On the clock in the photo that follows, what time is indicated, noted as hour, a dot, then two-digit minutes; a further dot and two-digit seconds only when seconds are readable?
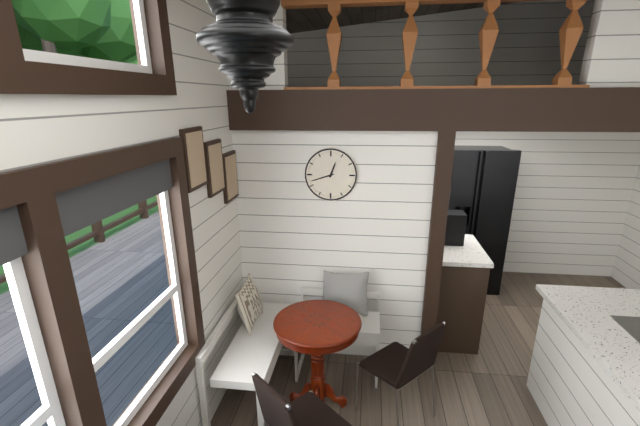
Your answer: 12.42
